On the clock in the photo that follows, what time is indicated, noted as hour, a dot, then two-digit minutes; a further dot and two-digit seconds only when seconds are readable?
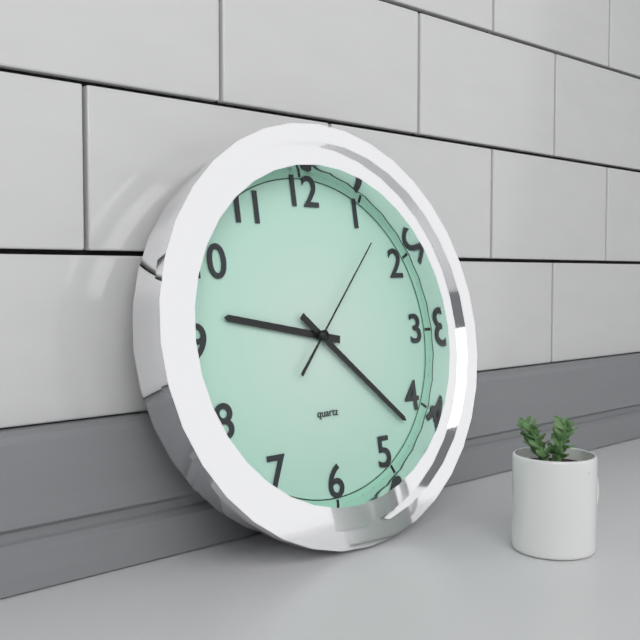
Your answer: 9.22.07
